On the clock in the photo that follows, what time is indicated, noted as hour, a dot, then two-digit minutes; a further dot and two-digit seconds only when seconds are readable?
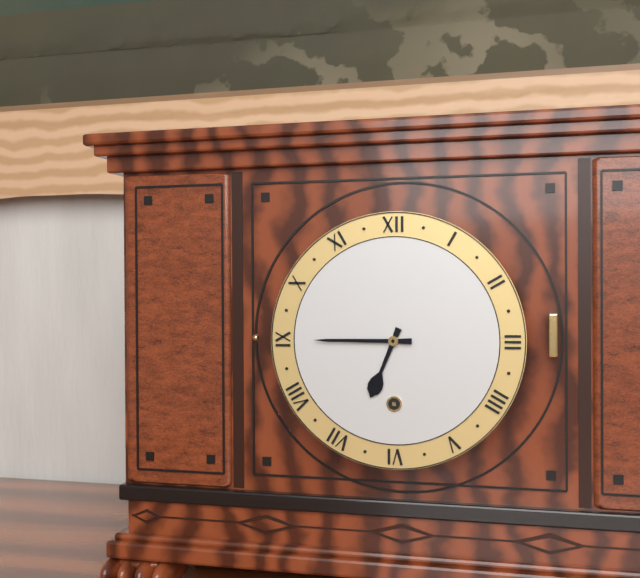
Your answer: 6.45
